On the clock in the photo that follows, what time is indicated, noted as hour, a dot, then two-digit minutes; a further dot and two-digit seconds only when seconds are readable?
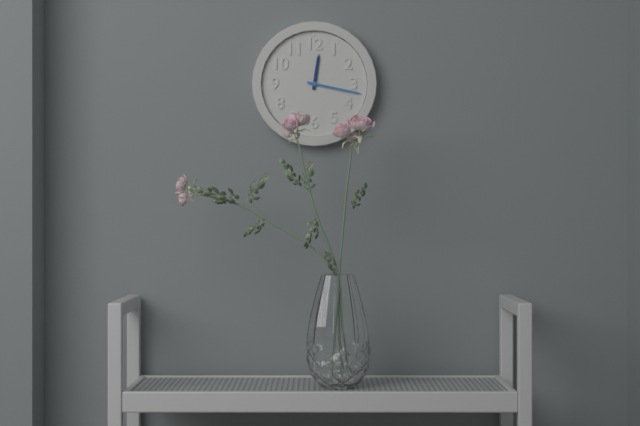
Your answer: 12.17
